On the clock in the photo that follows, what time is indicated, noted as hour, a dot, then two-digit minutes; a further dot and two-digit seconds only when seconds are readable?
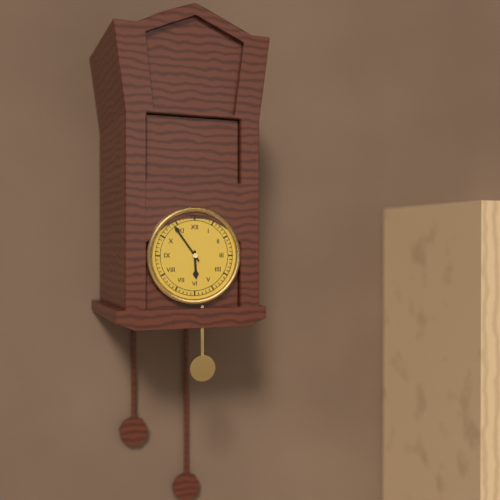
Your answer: 5.54
